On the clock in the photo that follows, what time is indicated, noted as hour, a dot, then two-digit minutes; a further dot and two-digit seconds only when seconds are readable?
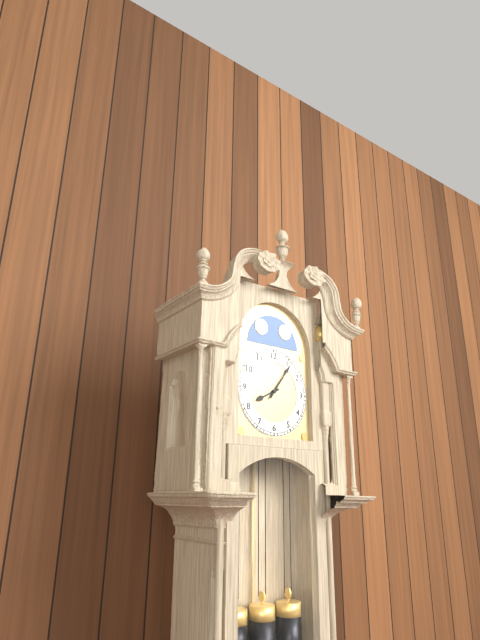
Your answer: 8.06
